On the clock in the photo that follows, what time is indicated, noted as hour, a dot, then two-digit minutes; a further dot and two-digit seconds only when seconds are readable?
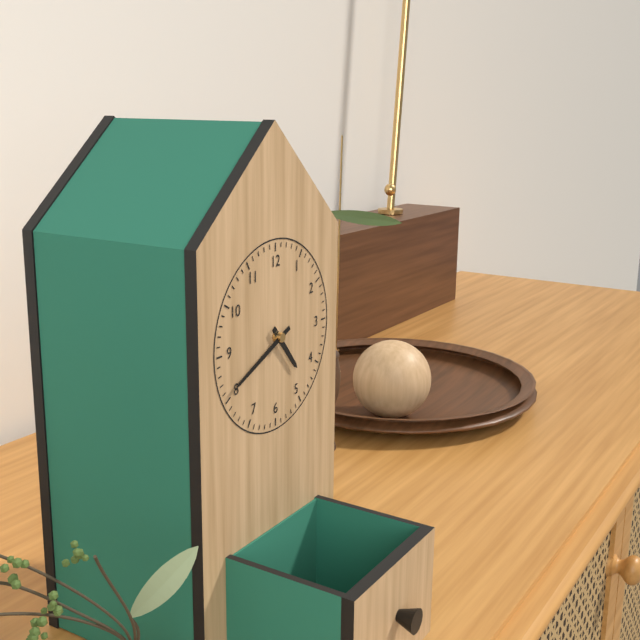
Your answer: 4.41
